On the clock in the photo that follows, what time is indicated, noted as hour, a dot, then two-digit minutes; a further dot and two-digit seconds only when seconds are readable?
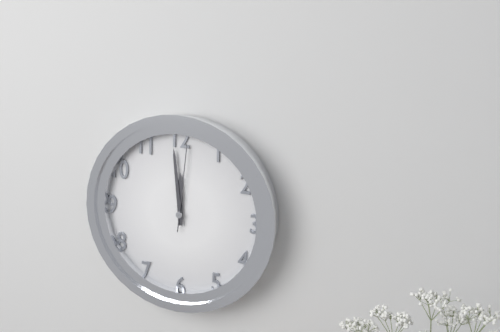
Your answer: 11.59.01
